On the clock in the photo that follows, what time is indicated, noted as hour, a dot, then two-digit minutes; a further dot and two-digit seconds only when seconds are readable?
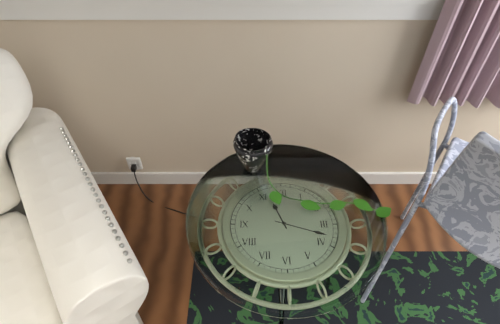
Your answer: 11.18
